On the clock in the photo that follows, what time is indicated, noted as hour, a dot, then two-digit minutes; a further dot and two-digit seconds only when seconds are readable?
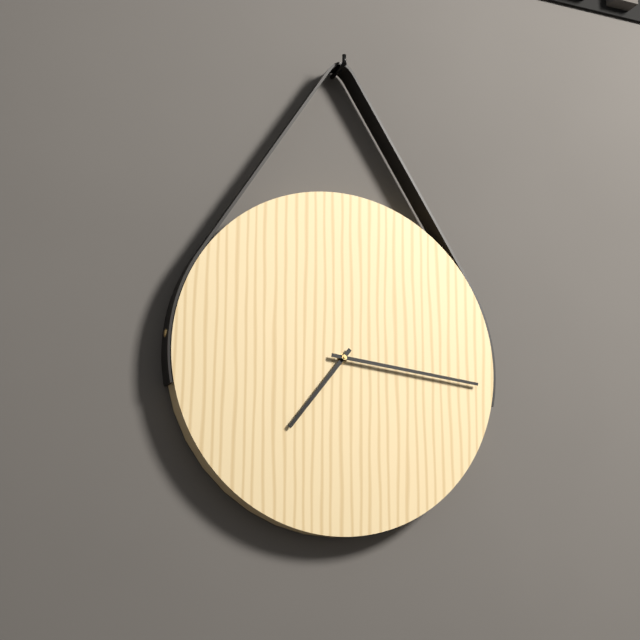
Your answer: 7.16
